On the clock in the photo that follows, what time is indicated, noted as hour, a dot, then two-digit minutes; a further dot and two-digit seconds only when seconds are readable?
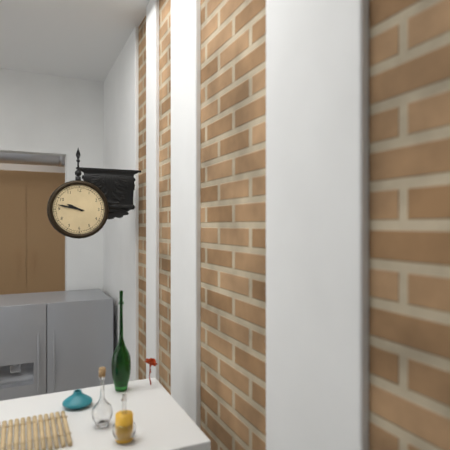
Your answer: 9.47
